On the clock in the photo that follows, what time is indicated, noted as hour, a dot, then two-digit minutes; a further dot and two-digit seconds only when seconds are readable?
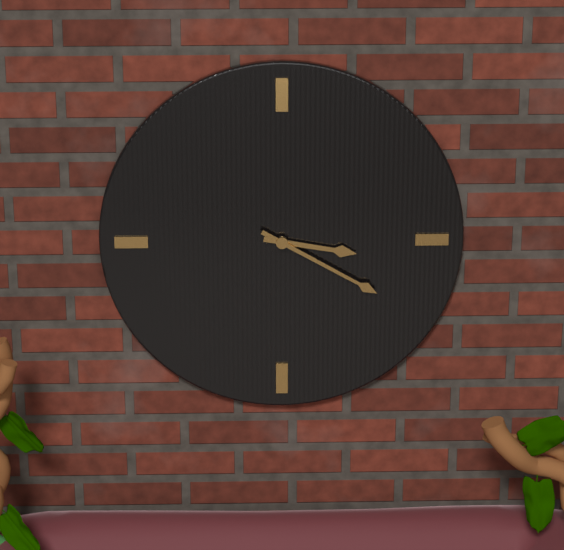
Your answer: 3.20
